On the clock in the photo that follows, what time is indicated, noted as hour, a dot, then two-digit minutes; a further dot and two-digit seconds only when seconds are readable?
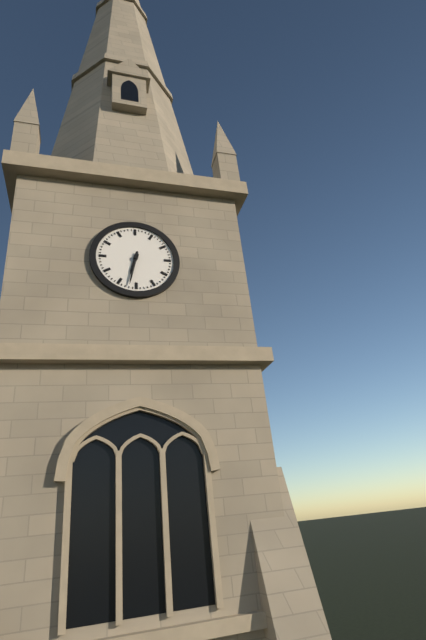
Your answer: 6.32
